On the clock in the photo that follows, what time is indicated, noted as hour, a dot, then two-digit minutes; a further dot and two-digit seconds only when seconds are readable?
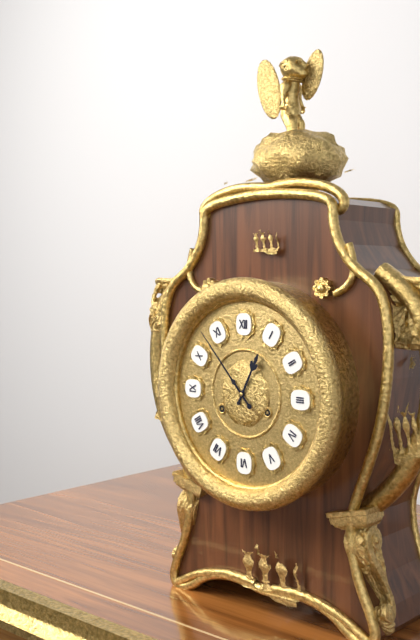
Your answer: 12.53
